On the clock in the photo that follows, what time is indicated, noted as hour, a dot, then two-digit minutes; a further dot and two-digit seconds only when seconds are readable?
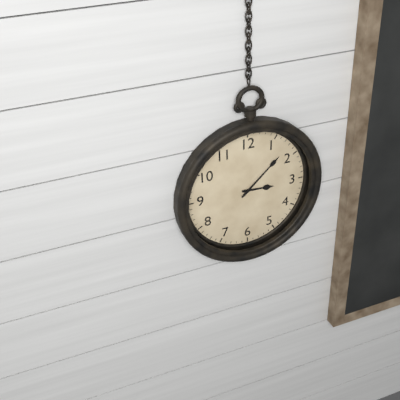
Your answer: 3.08
